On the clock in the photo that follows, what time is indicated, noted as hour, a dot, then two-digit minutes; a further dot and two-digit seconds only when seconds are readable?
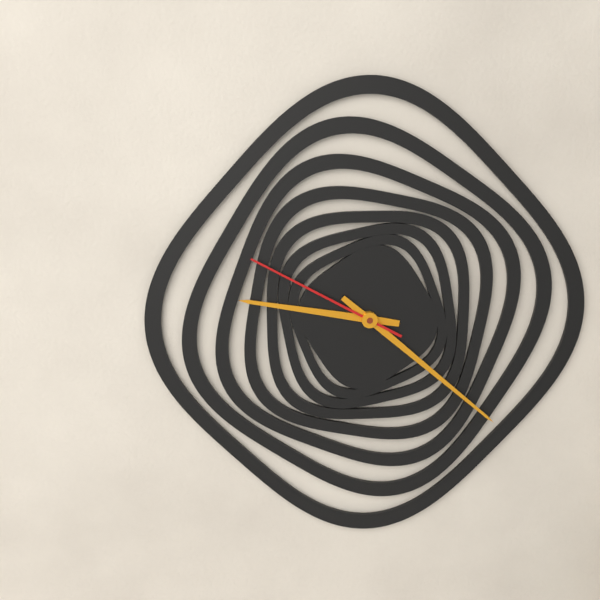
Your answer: 9.22.50
